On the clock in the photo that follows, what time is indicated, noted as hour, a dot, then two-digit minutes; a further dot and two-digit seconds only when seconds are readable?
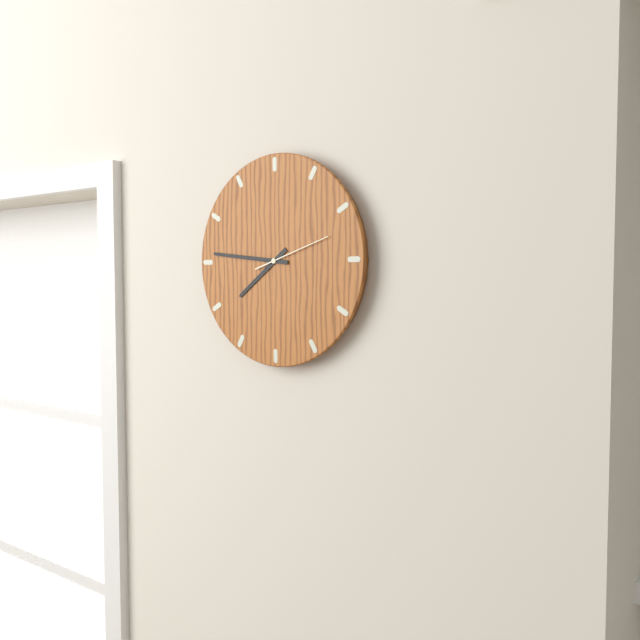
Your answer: 7.46.12
